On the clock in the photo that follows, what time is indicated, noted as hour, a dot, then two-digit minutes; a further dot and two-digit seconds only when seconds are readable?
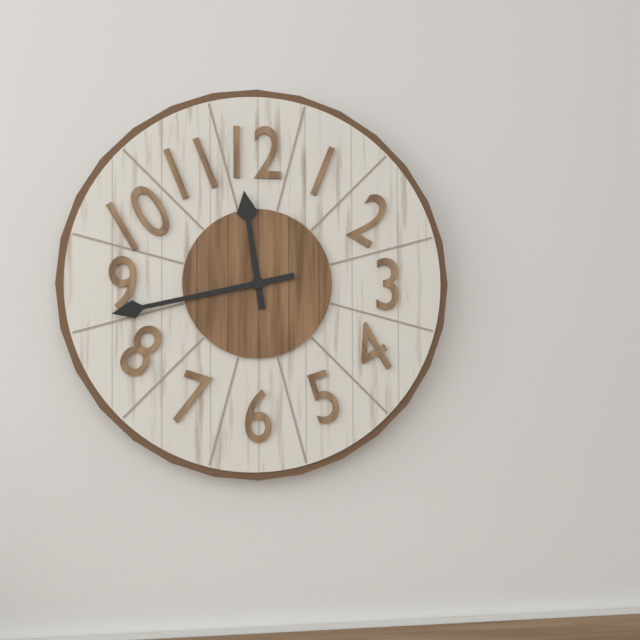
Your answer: 11.43
